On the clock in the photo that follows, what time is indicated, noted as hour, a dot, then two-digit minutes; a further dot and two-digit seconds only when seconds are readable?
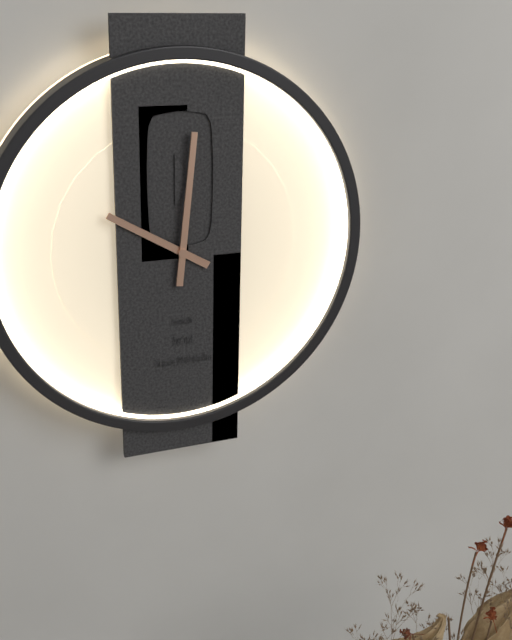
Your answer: 10.01
